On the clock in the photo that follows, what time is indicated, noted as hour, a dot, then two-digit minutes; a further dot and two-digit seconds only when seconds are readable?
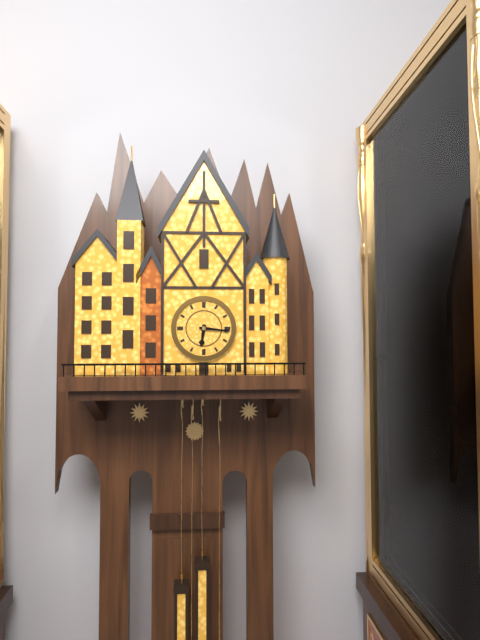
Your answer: 6.16
